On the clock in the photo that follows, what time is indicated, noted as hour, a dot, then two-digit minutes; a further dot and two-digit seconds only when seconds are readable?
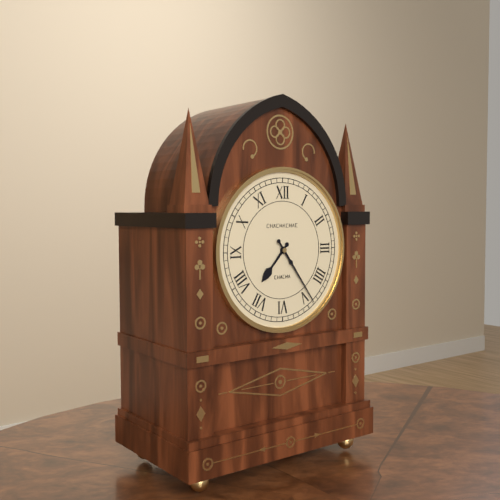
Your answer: 7.24
